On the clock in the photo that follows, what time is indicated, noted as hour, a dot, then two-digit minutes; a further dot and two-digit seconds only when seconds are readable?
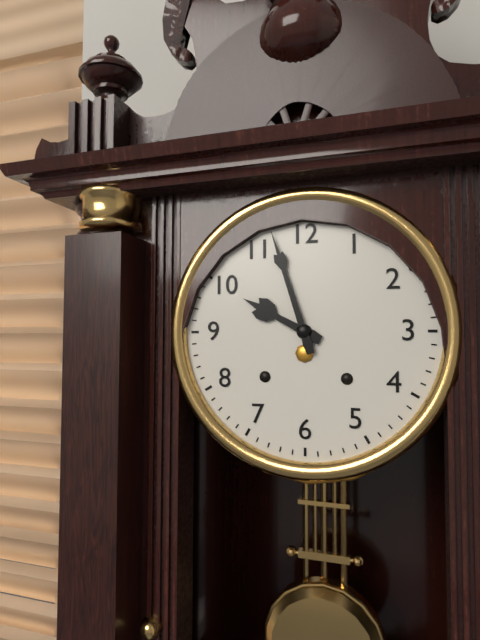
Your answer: 9.57
